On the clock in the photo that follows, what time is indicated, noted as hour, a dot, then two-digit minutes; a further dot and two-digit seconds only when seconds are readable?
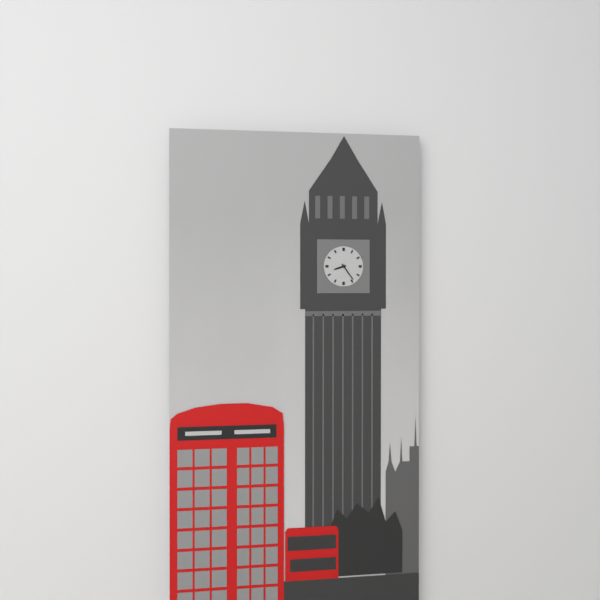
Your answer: 8.24
